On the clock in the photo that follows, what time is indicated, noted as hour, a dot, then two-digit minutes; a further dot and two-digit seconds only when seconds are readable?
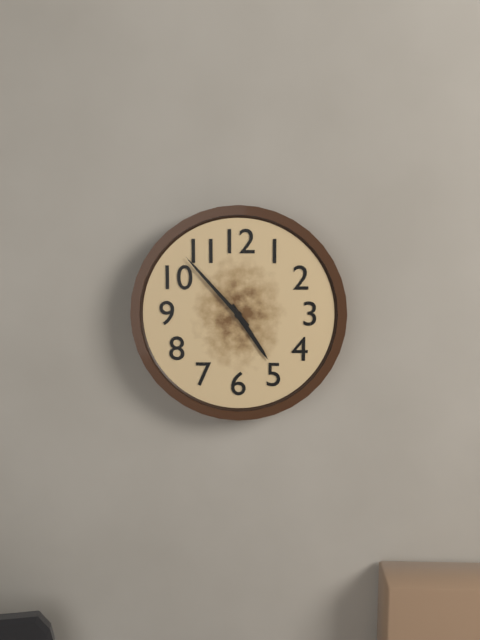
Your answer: 4.53
